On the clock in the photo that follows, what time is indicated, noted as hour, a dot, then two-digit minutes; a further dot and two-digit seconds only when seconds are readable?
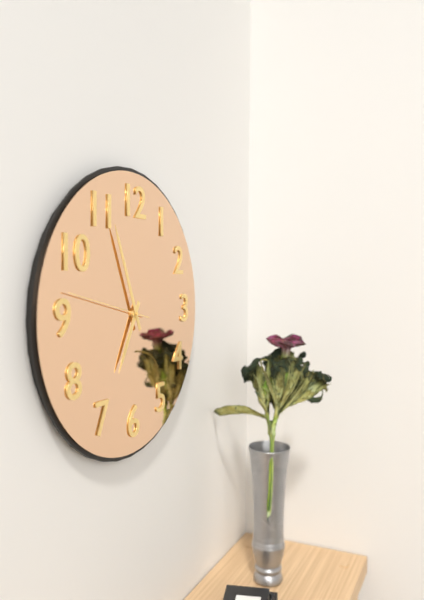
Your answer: 6.56.47
